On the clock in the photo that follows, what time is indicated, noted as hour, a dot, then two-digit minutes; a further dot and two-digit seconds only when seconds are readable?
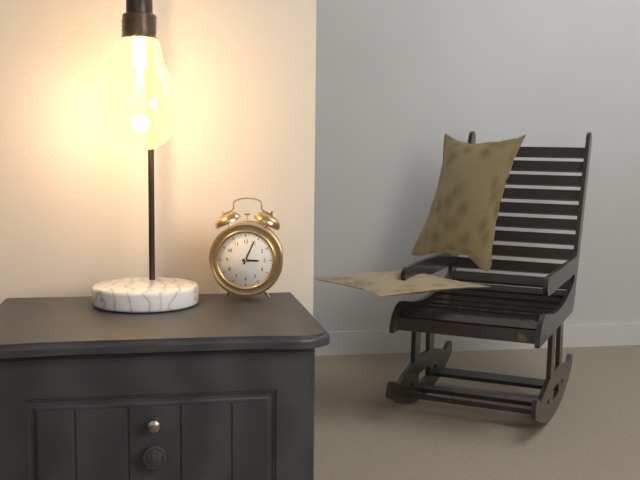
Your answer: 3.04
